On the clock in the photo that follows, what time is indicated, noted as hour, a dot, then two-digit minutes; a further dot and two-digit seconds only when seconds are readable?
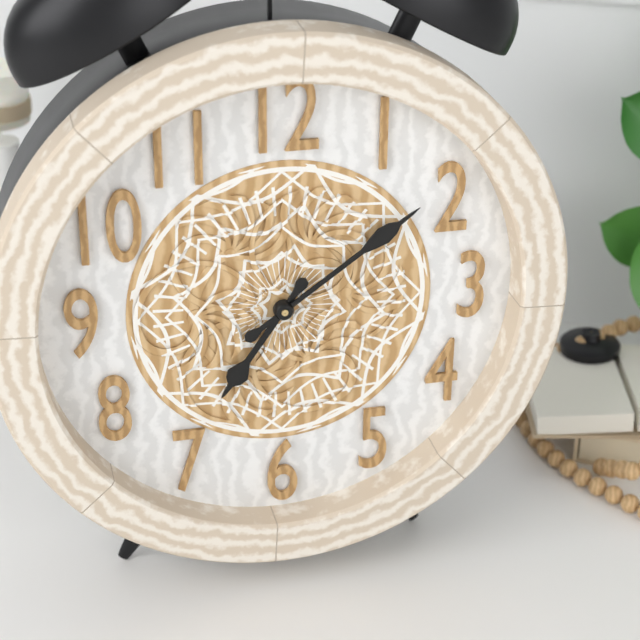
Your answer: 7.09
